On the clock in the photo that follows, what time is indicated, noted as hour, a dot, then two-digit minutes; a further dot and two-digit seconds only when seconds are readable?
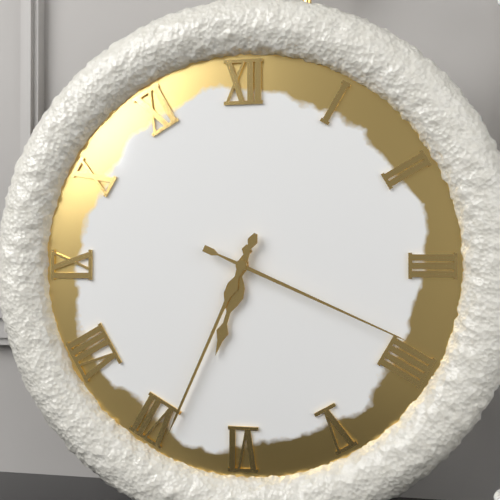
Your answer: 6.34.19
